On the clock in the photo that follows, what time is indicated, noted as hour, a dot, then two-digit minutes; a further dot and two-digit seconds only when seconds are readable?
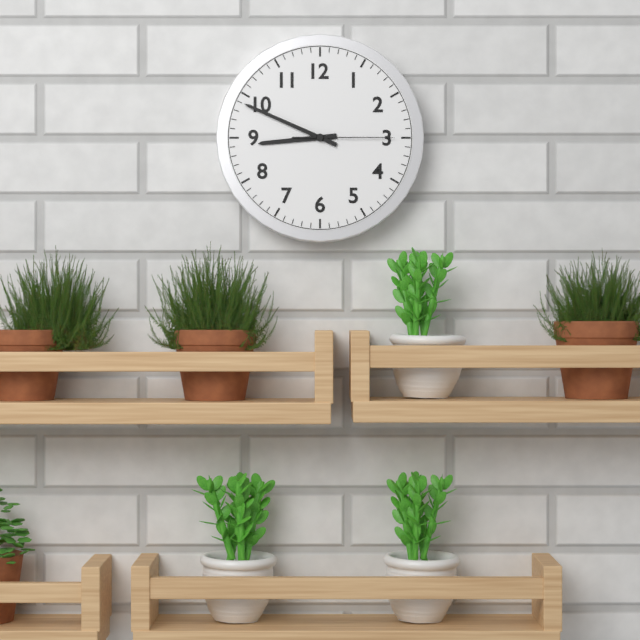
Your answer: 8.49.15
